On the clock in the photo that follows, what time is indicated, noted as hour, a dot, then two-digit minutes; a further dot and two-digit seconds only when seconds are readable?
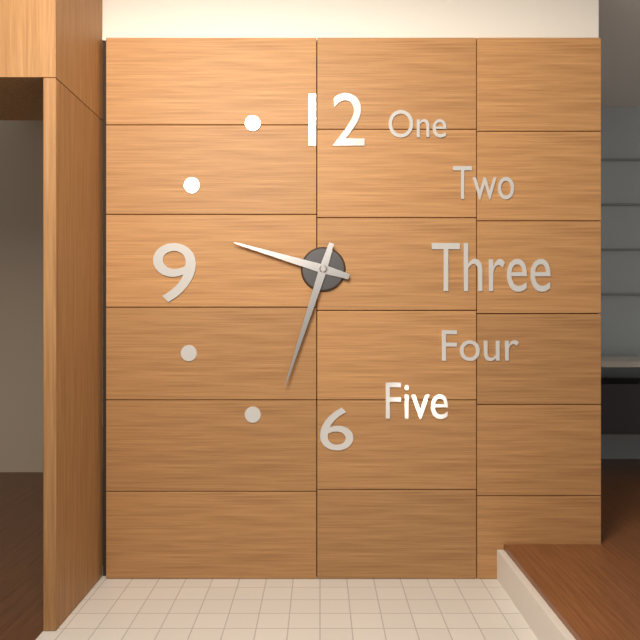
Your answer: 9.33
